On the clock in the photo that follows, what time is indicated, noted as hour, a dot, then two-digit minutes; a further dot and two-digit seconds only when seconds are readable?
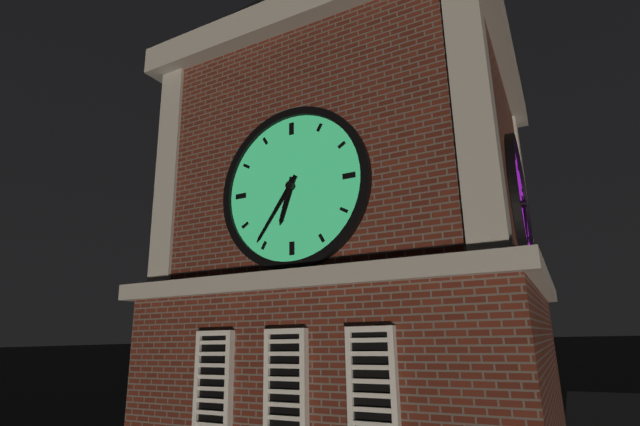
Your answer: 6.36
